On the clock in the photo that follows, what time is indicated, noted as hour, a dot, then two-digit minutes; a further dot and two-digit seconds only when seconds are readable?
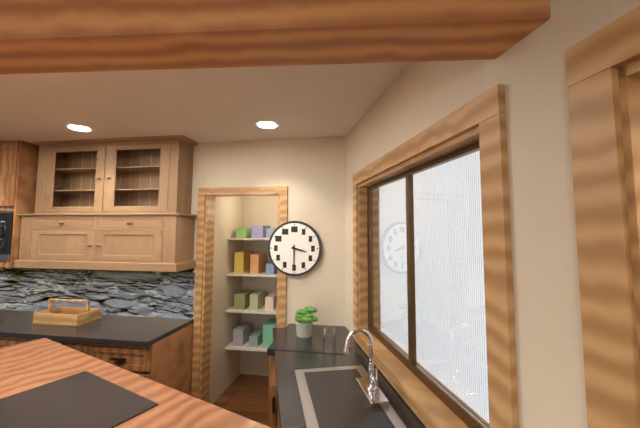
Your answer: 3.30
